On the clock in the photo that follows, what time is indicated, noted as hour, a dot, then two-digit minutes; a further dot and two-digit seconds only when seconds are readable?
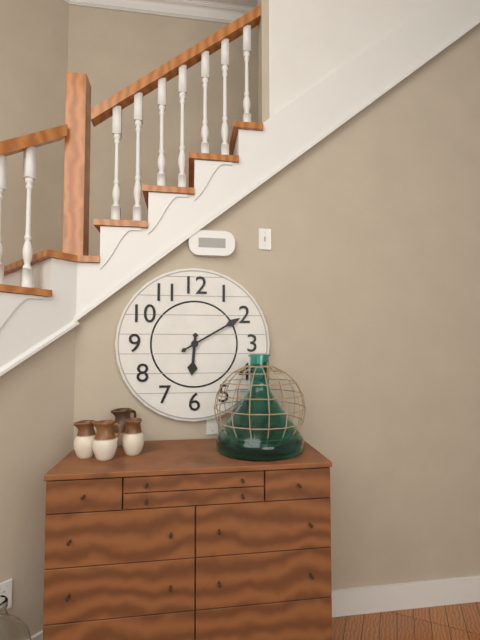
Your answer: 6.10
